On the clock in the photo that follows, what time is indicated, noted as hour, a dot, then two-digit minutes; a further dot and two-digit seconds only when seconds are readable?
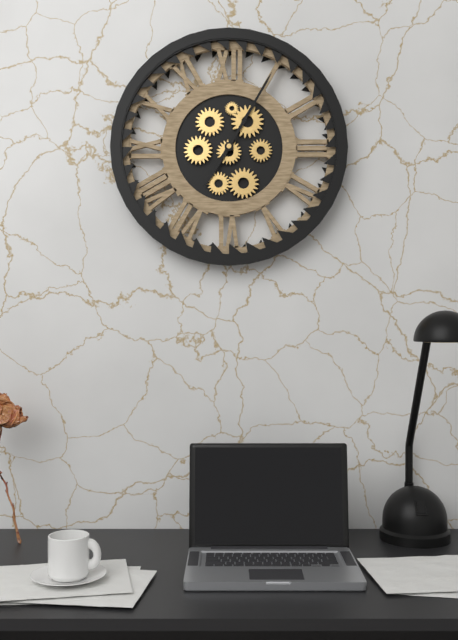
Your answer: 7.05
